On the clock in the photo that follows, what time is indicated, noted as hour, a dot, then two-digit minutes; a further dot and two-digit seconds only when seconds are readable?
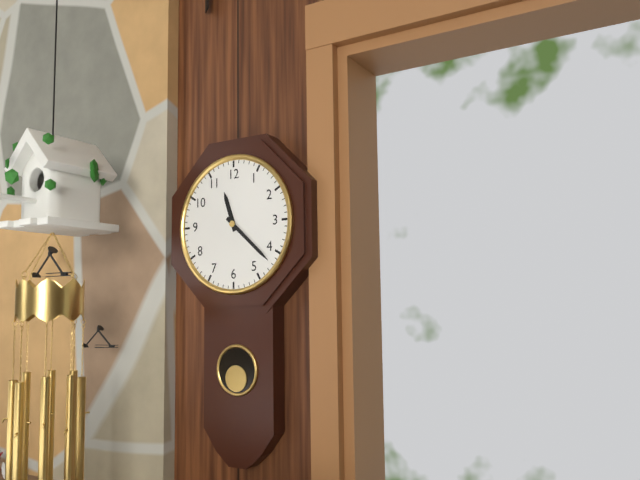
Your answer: 11.22
